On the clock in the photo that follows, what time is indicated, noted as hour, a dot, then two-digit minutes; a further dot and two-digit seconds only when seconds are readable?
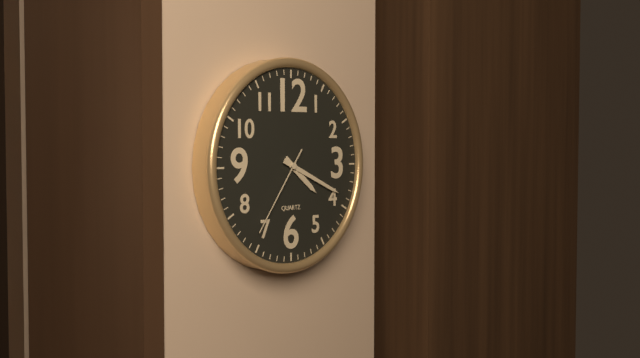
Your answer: 4.19.36
